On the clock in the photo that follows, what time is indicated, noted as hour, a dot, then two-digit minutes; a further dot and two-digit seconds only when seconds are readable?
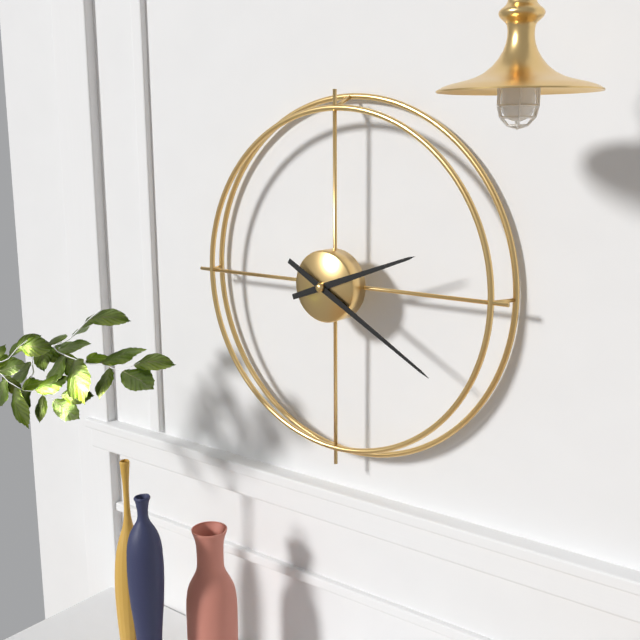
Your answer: 2.20
